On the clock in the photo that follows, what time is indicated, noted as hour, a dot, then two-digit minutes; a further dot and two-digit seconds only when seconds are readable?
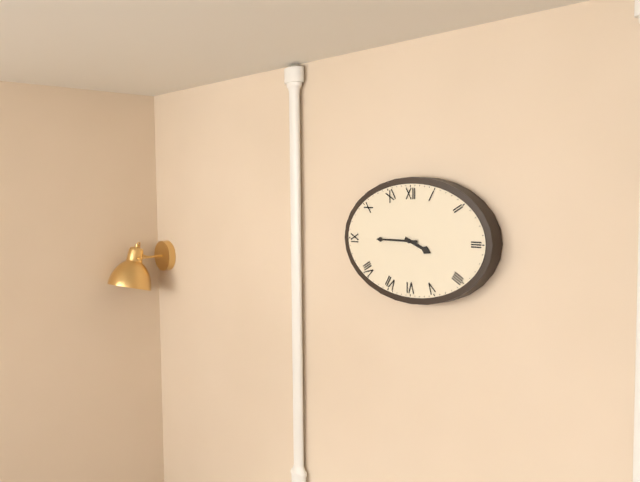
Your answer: 3.45
